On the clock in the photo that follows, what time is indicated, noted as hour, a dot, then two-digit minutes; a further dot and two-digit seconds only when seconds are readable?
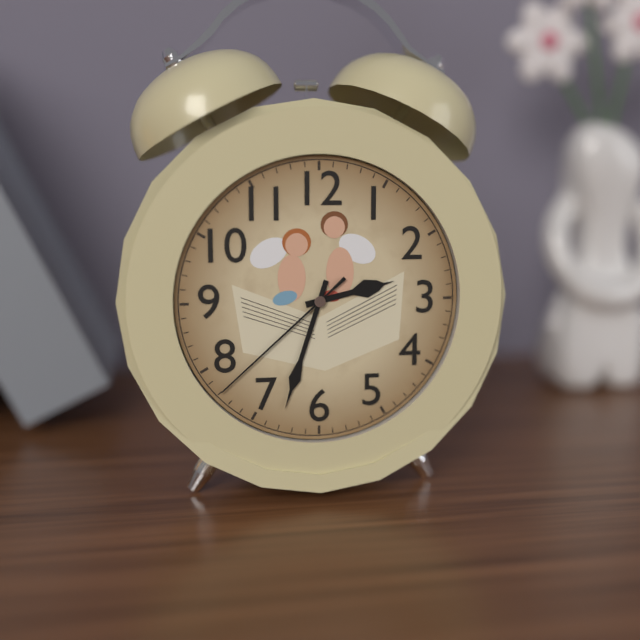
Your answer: 2.33.38
